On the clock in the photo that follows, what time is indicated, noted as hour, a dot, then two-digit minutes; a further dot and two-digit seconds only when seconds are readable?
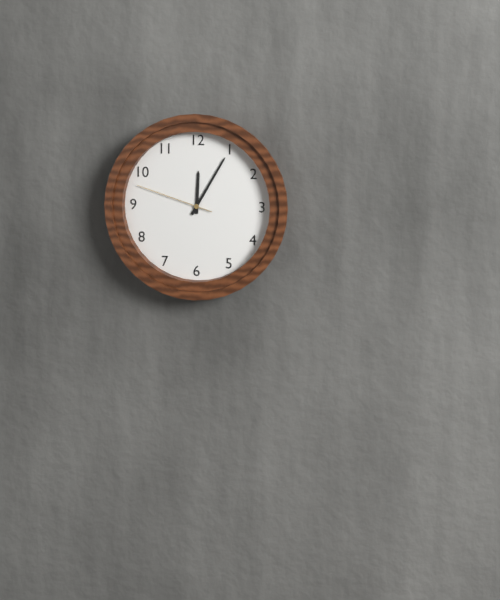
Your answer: 12.05.48
